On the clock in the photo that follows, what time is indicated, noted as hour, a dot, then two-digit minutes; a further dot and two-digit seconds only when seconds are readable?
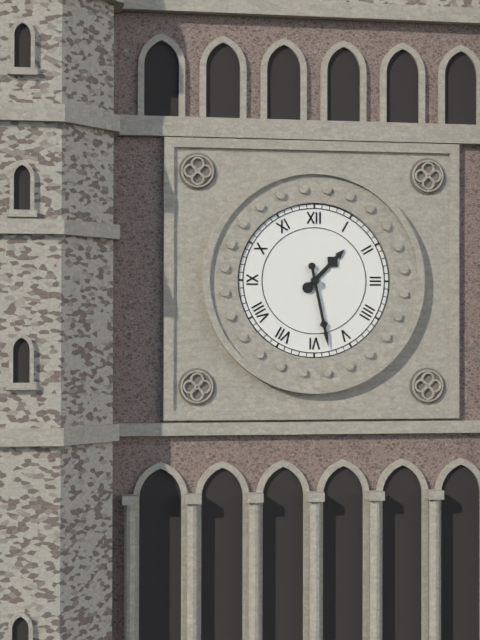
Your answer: 1.28
